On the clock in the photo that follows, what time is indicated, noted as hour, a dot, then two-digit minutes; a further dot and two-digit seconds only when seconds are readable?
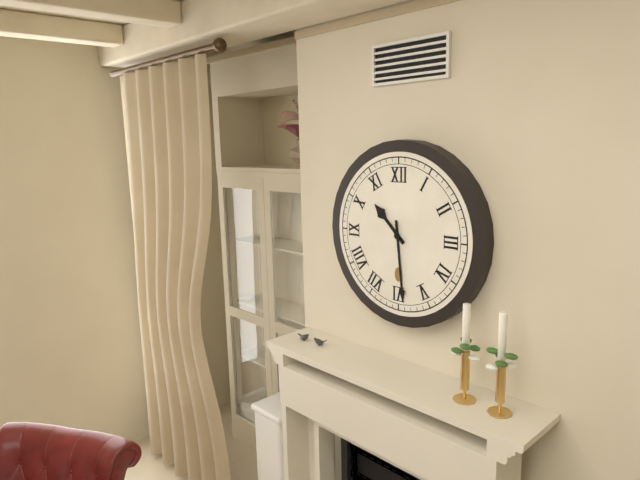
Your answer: 10.29
